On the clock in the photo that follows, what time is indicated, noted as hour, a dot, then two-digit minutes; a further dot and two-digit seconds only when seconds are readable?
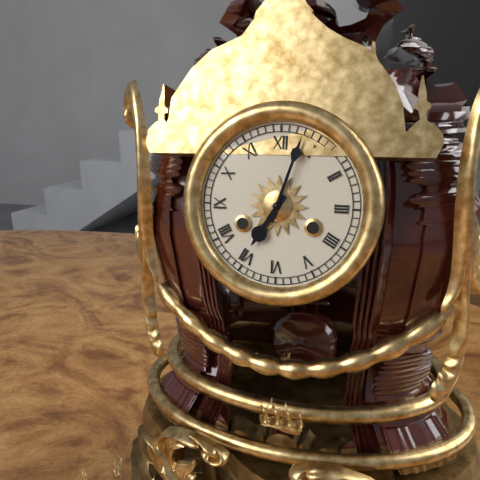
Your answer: 7.03
